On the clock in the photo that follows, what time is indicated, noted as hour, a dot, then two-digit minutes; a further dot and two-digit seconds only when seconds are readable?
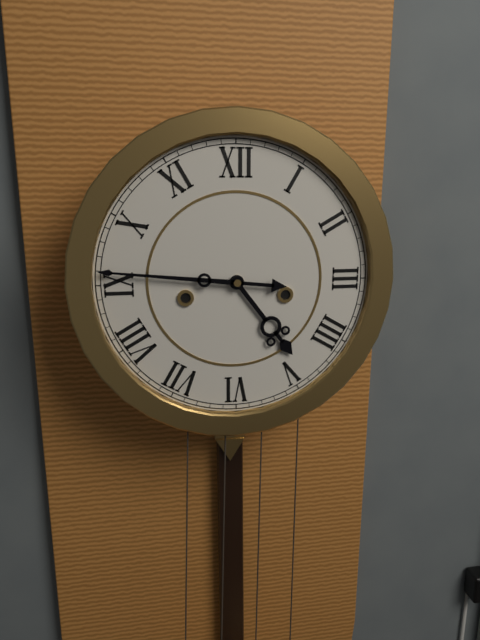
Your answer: 4.46
